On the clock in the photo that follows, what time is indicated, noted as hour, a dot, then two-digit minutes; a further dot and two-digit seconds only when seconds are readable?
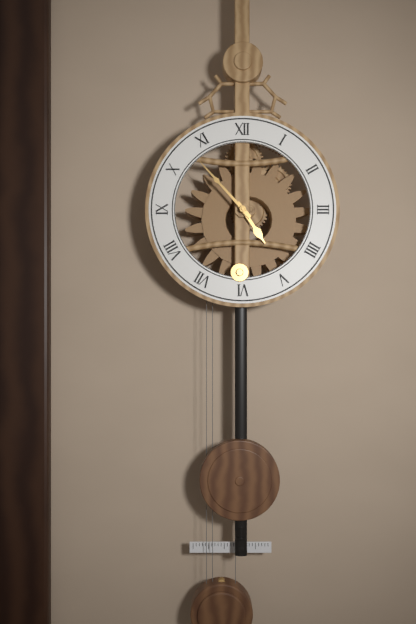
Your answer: 4.53
